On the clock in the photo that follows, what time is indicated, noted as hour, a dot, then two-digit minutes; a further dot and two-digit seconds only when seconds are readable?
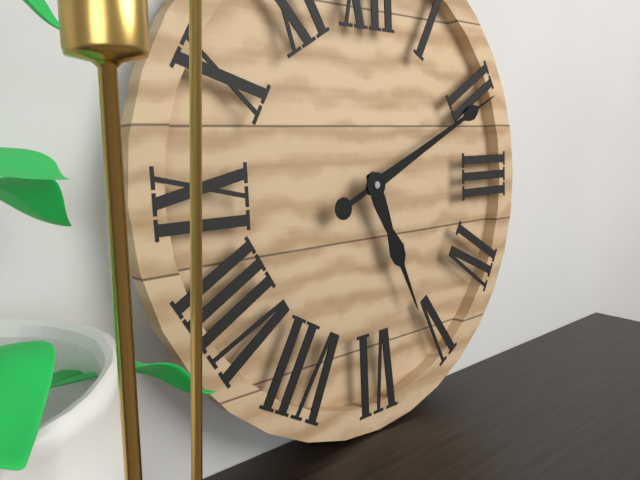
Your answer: 5.11
